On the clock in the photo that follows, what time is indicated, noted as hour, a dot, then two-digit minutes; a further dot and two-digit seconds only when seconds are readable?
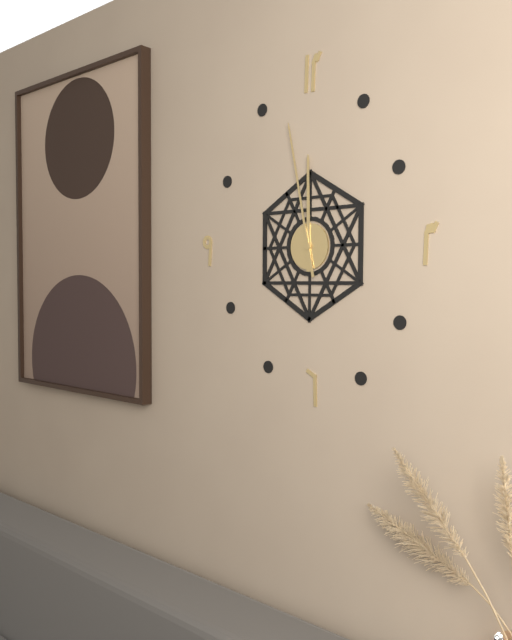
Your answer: 11.58
